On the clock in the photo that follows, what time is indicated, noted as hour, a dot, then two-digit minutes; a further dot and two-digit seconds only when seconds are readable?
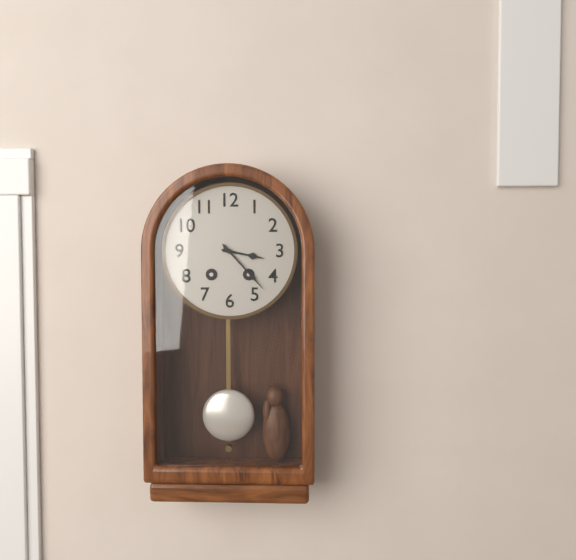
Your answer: 3.23
